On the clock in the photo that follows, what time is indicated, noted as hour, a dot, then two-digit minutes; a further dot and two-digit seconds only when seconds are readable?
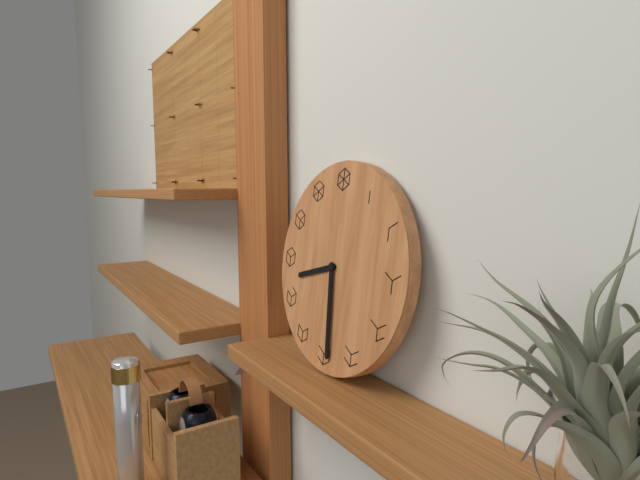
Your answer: 8.29
